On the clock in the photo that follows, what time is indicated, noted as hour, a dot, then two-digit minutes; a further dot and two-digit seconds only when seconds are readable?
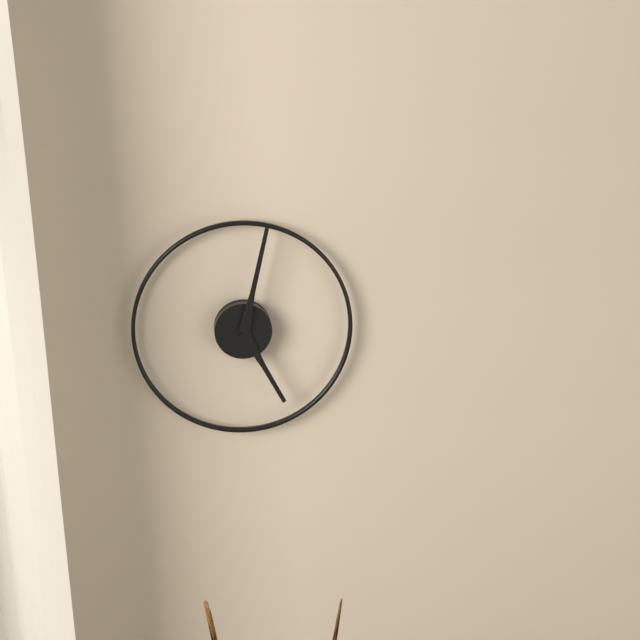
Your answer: 5.02
